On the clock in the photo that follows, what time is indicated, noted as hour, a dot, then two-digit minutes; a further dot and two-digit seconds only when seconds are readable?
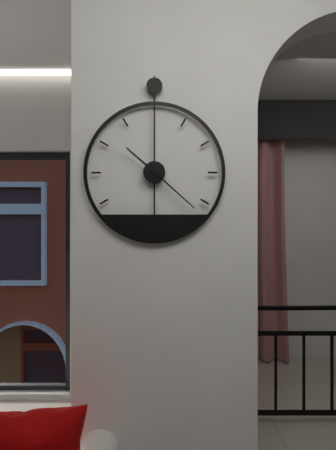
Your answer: 10.22
